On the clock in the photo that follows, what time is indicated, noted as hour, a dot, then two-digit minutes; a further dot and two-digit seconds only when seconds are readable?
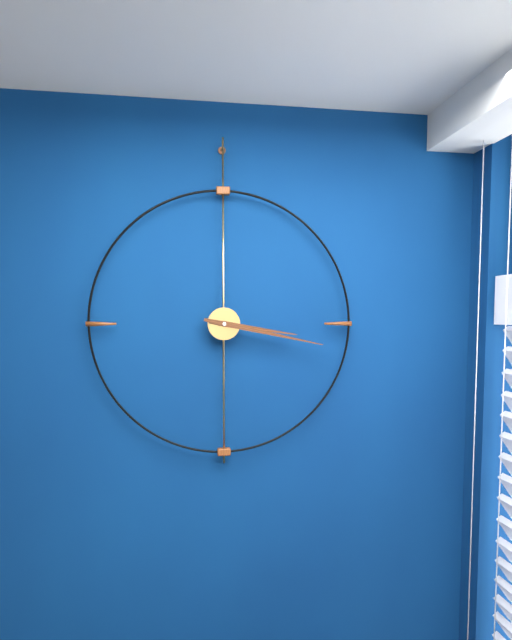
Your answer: 3.17
